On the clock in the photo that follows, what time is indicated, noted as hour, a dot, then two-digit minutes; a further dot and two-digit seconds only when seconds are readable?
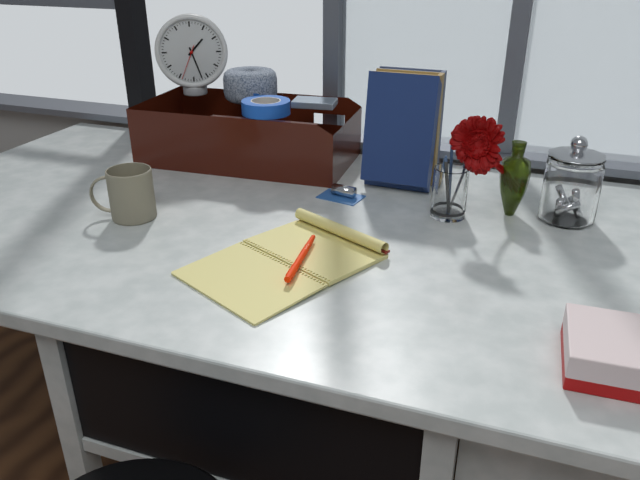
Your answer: 1.27
